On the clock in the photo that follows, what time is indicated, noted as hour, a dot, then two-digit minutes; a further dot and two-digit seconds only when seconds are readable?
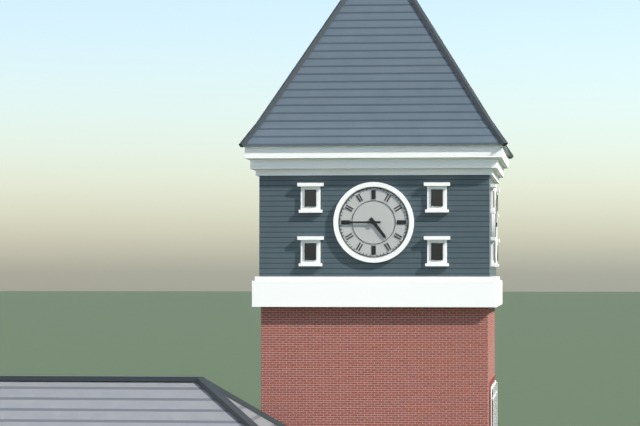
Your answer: 4.45
